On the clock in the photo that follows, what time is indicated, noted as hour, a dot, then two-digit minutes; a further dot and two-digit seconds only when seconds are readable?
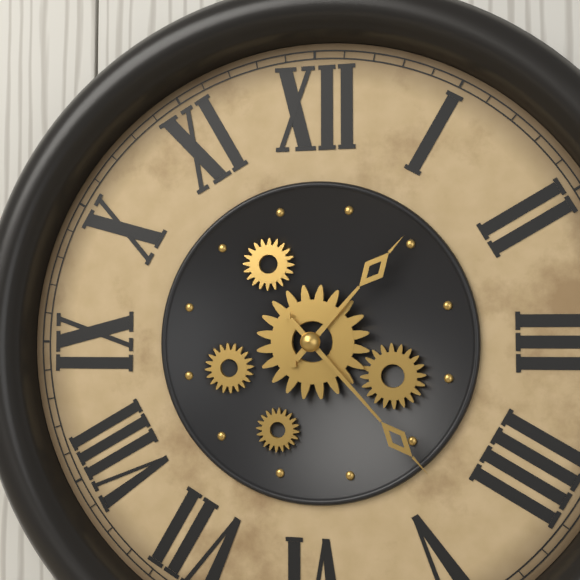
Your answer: 1.23
